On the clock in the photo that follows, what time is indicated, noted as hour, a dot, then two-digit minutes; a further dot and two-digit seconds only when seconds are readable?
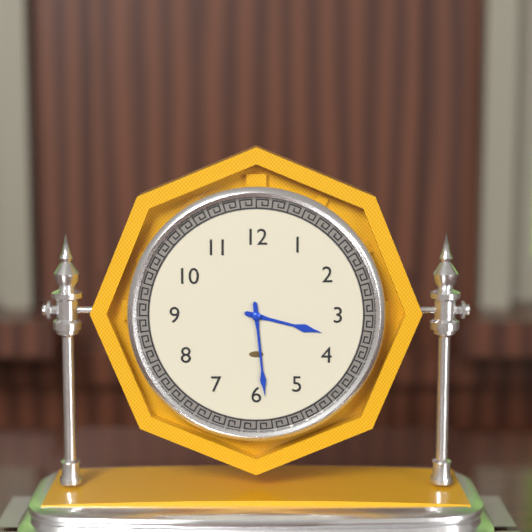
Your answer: 3.29
